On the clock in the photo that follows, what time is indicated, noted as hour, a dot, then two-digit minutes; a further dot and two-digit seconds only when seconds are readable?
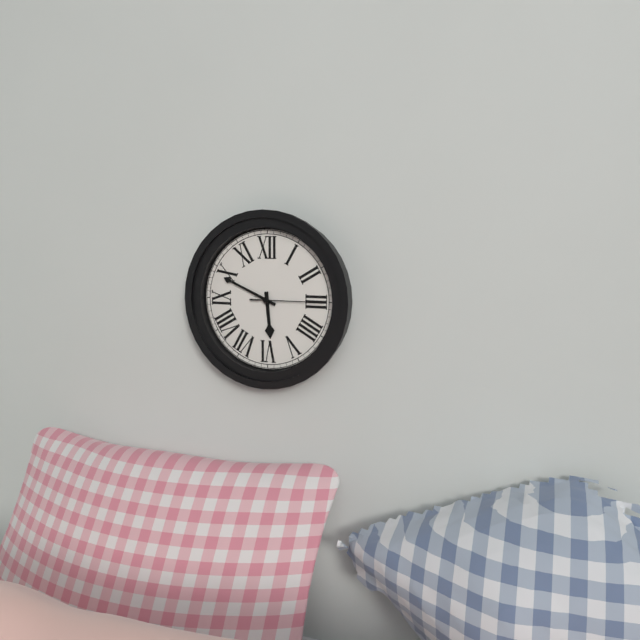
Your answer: 5.49.15
